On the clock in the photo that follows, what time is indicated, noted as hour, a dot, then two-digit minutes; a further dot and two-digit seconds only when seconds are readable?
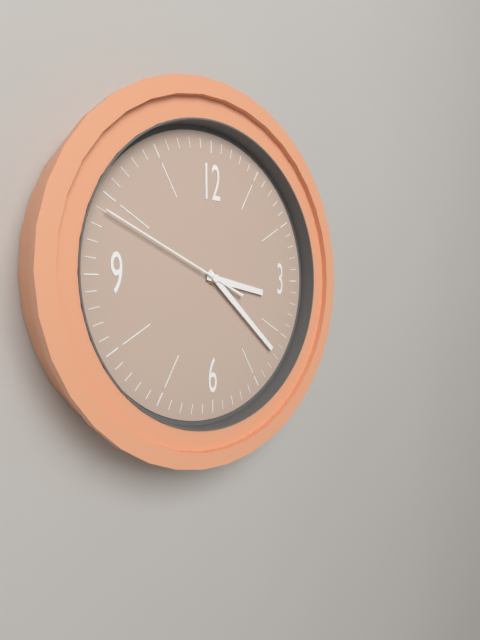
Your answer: 3.22.49
